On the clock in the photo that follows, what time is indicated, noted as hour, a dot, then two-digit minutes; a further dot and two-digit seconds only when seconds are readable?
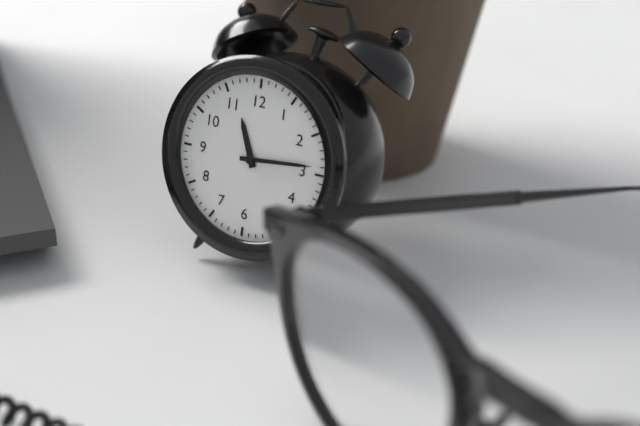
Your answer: 11.14
